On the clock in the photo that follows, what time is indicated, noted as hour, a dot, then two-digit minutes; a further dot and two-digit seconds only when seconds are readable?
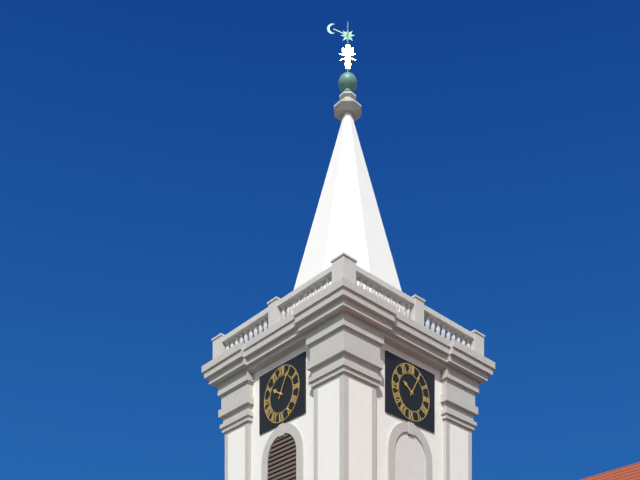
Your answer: 10.05
